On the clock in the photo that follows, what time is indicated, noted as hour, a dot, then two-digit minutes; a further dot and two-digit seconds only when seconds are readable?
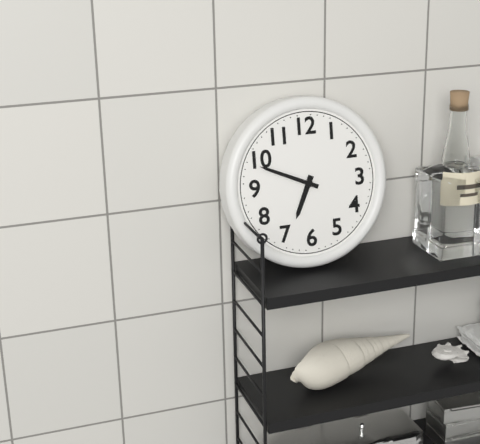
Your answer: 6.49
